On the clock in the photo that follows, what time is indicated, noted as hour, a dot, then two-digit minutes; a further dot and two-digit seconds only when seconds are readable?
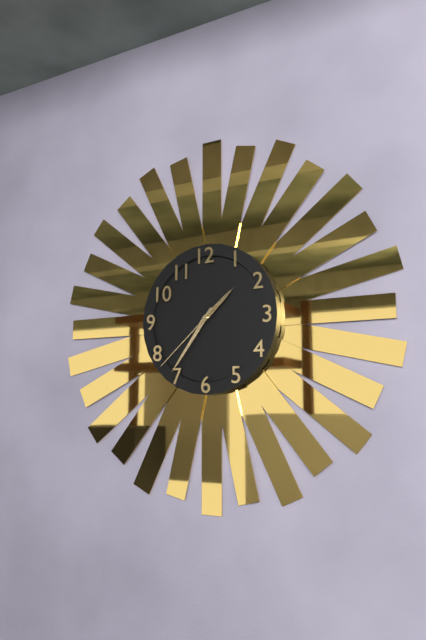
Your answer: 1.36.38
